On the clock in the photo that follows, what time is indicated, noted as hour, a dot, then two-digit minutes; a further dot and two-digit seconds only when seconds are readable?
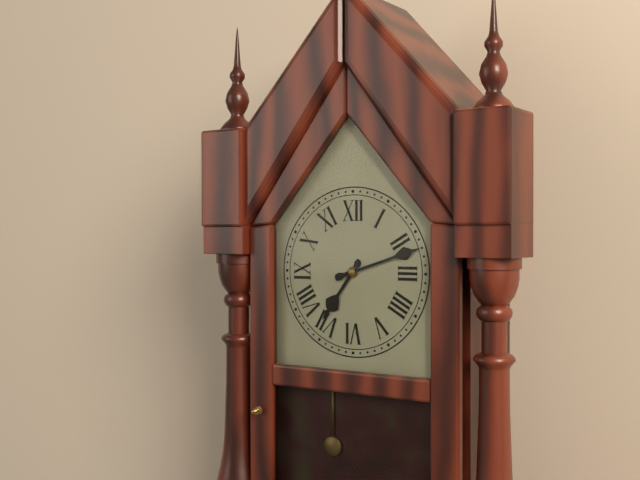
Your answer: 7.12
